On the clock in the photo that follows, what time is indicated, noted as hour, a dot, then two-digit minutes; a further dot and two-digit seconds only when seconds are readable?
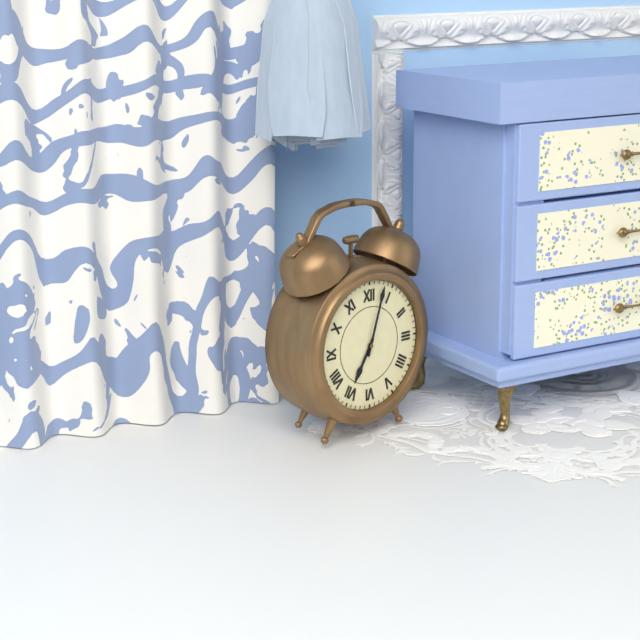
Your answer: 7.03
